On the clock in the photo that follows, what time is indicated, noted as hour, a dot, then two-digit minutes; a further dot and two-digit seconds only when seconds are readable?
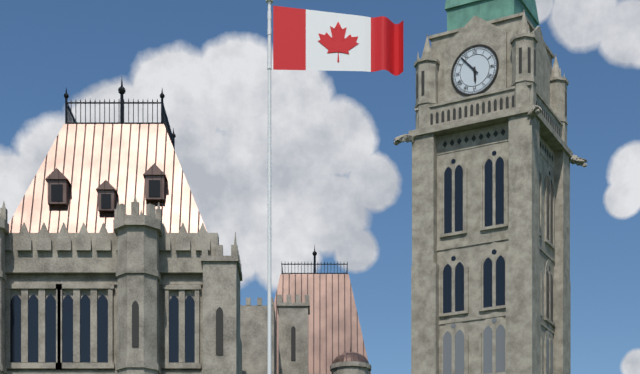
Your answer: 5.53
